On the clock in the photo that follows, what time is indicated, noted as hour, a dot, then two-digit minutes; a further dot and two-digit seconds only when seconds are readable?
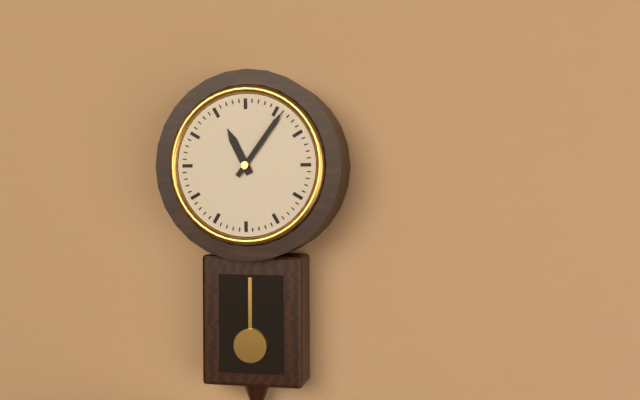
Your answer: 11.06
